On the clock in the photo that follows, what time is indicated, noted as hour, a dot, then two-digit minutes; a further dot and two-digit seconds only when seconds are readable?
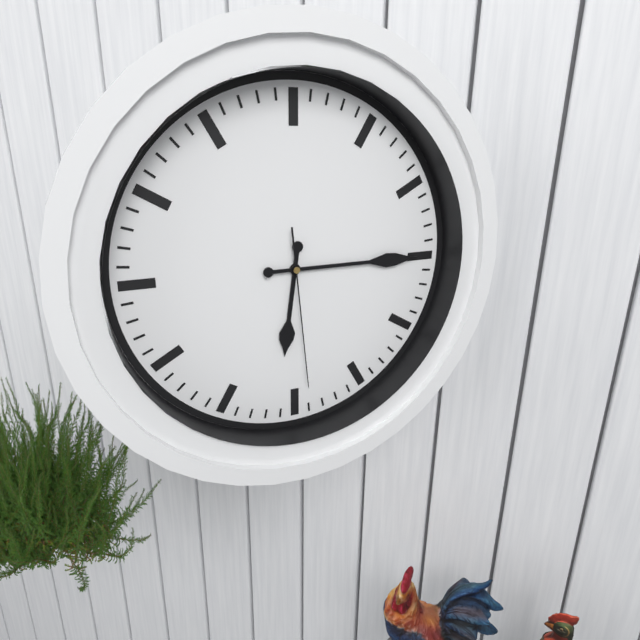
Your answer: 6.15.29
